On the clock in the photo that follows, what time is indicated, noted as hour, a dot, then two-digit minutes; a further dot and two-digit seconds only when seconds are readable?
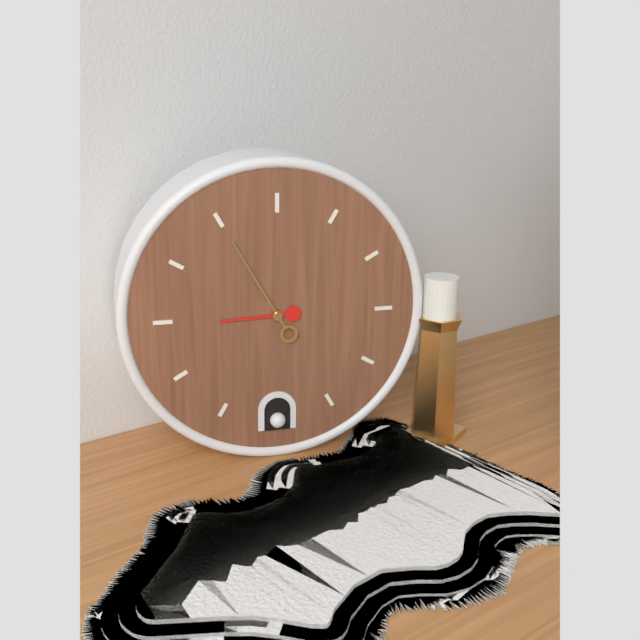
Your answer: 8.55
